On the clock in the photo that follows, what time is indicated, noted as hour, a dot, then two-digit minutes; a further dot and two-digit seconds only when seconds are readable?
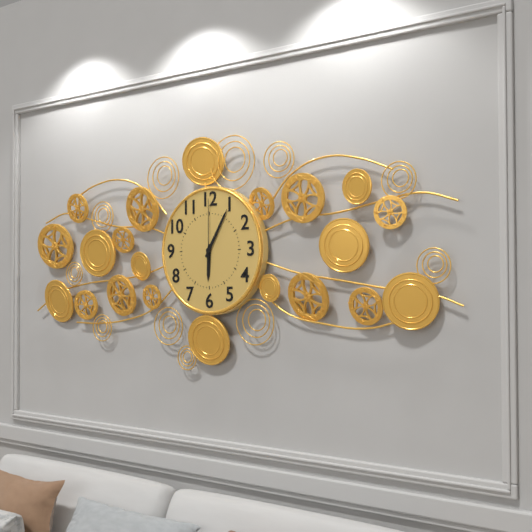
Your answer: 6.05.00
